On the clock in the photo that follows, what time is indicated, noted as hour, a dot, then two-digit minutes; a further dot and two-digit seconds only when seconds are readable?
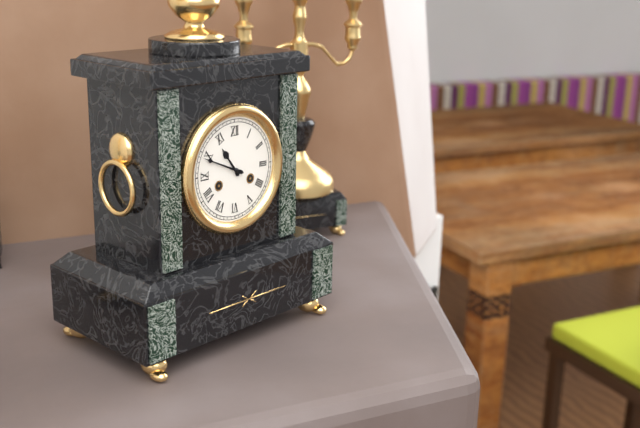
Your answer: 10.49
